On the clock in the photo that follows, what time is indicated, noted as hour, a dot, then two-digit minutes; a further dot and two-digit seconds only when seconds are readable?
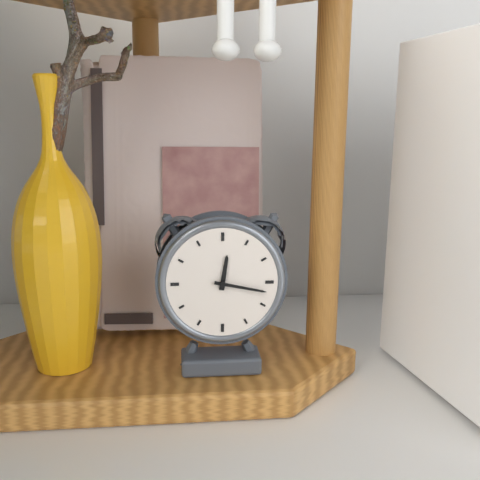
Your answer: 12.17
